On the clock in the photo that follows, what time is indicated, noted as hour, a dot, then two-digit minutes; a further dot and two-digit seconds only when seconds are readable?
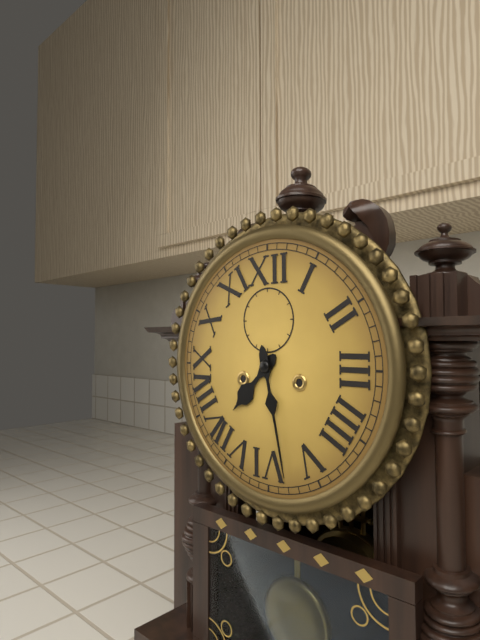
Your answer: 7.28
